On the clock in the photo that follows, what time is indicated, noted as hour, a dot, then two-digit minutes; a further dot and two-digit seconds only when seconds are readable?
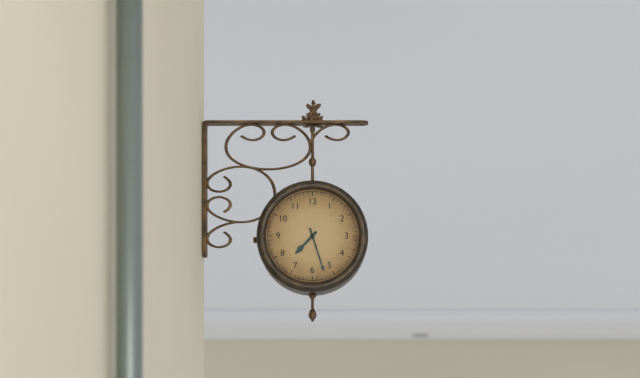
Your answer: 7.27
